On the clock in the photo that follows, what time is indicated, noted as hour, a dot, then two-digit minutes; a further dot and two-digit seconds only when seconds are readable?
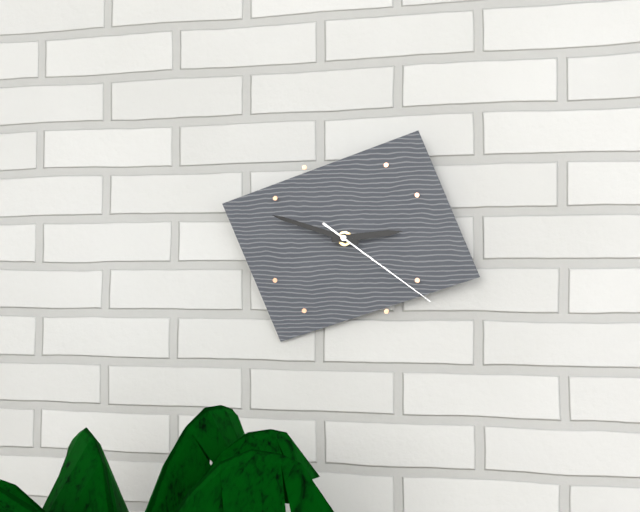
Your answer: 2.48.21
